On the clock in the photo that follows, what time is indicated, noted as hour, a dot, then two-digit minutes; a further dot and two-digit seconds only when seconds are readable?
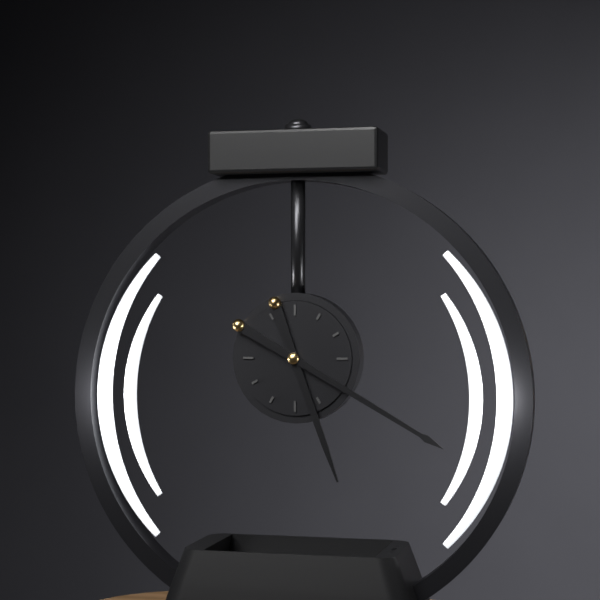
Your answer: 5.20
